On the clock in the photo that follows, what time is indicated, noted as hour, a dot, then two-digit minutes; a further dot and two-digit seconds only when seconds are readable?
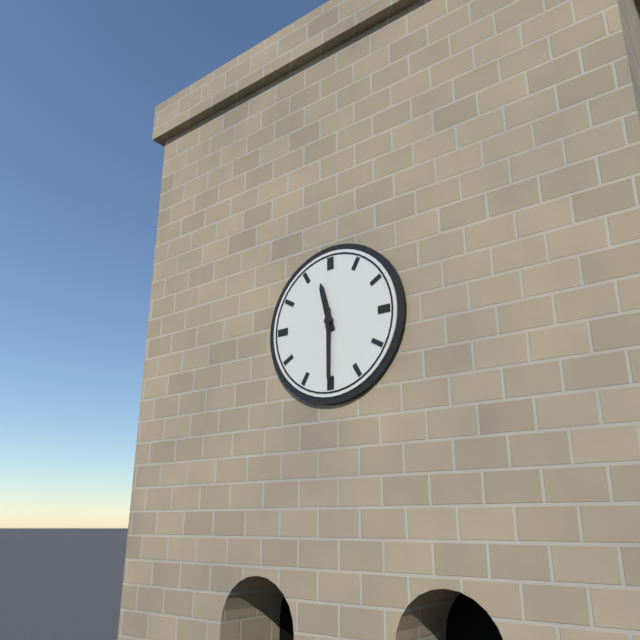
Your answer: 11.30
